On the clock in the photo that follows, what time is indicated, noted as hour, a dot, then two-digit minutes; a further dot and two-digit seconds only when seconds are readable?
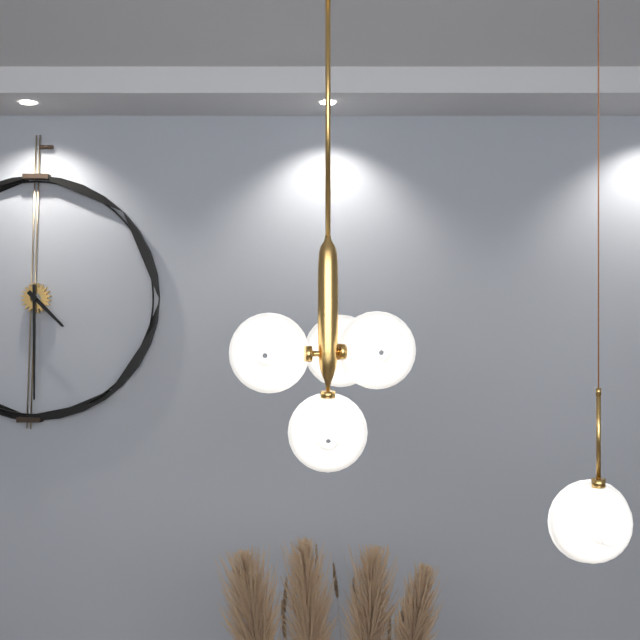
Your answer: 4.30
